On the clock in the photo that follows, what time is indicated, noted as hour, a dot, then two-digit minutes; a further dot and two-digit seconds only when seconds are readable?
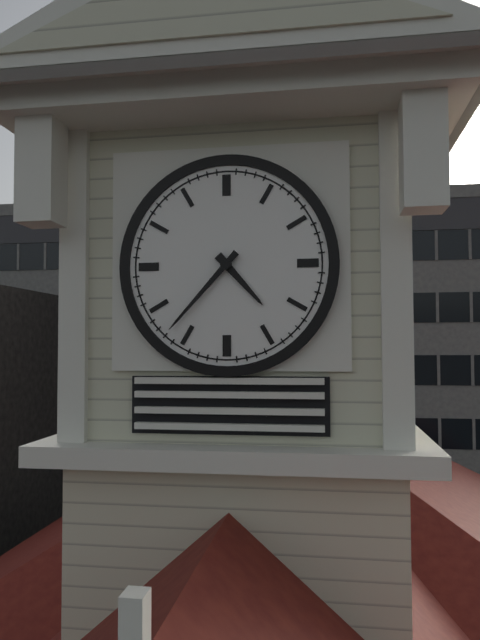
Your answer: 4.37
